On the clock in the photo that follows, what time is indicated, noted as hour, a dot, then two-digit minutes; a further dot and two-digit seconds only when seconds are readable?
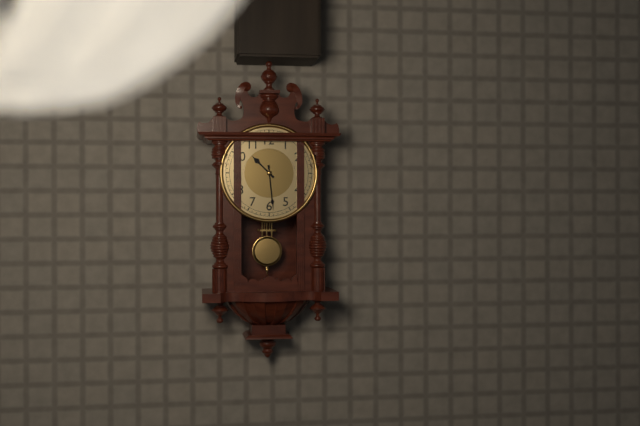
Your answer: 10.29
